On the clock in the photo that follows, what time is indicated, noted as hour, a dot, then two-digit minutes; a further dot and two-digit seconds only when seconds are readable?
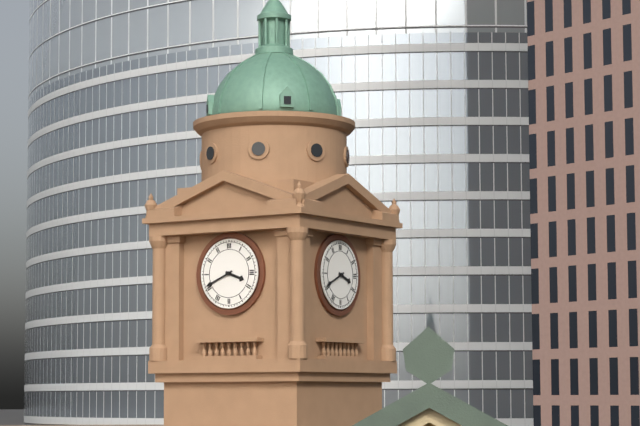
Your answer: 3.41
